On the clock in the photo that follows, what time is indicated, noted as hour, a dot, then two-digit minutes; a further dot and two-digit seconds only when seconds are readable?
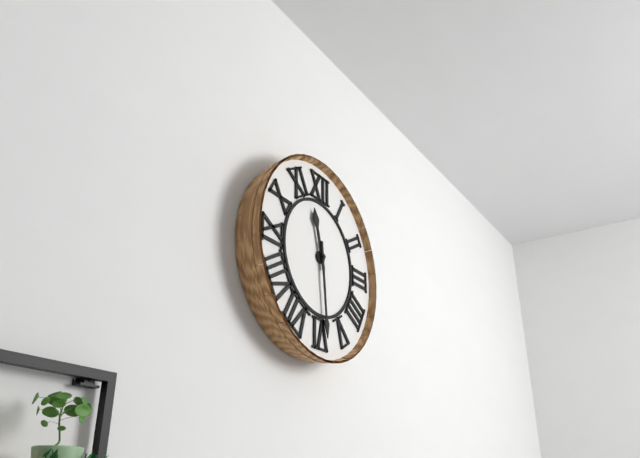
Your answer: 11.29
